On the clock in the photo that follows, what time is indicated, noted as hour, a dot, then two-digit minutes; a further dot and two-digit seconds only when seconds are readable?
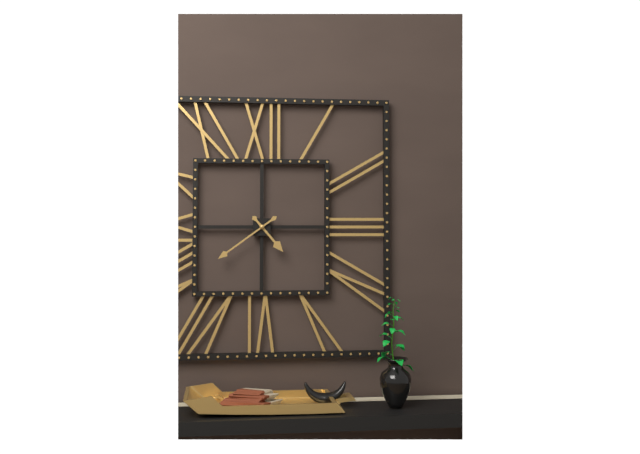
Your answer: 4.39
